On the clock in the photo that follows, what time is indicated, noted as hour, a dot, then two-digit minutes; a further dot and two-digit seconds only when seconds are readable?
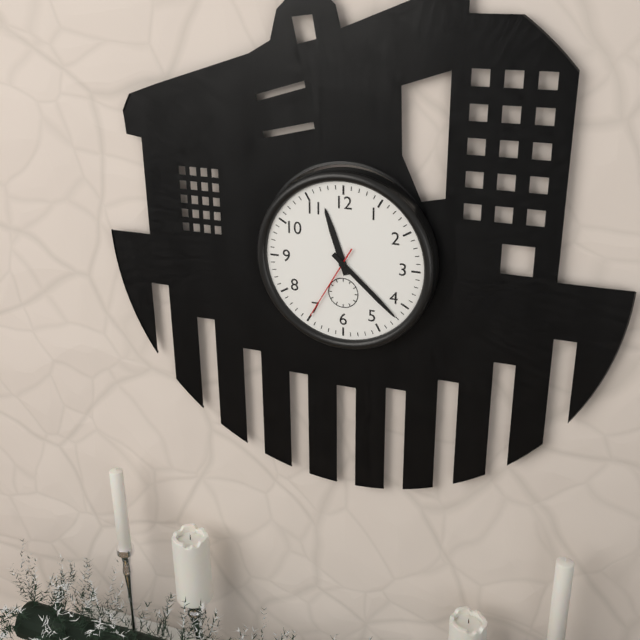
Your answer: 11.22.35
